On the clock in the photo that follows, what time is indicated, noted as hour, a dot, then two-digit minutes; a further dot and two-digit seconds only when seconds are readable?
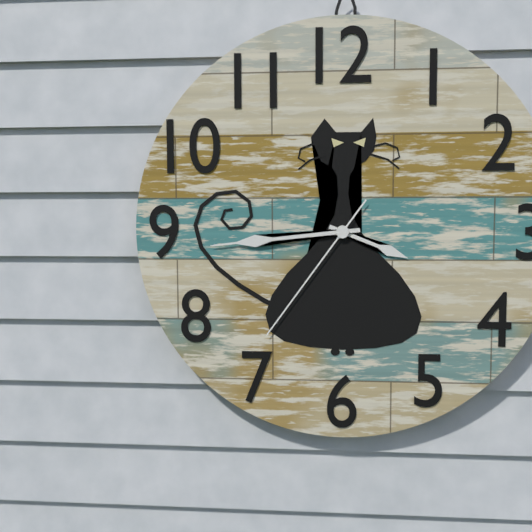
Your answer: 3.44.36
